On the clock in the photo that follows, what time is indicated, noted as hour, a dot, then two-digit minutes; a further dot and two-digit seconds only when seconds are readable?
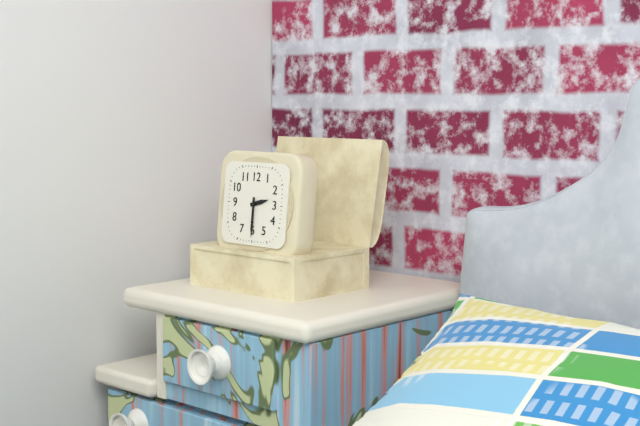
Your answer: 2.30
